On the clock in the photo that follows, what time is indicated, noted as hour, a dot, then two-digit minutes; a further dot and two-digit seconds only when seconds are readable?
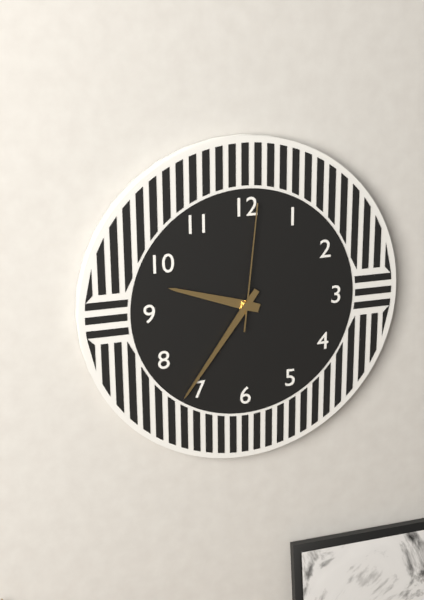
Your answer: 9.36.01
